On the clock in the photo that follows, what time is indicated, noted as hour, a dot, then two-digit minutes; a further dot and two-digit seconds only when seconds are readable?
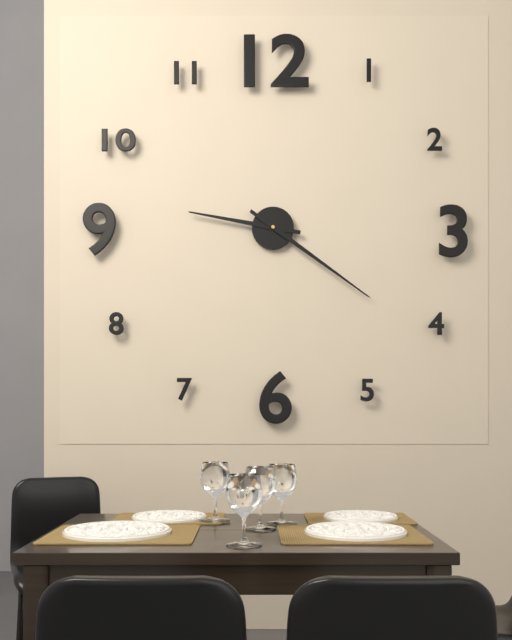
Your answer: 9.21
